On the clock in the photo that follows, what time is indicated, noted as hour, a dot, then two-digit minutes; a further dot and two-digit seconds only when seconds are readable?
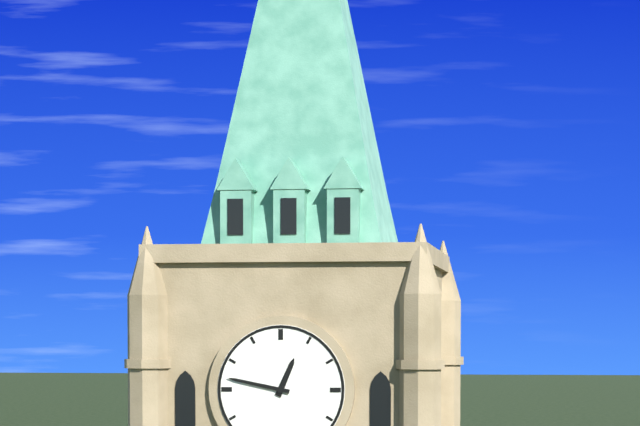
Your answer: 12.47
